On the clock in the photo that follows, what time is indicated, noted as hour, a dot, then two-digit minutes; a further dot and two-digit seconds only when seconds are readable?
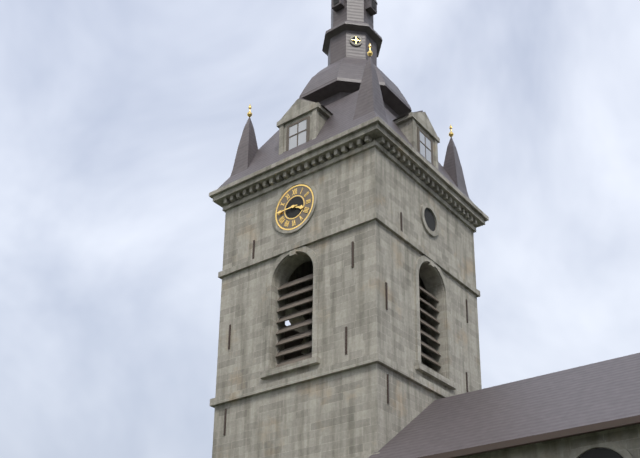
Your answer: 3.45
